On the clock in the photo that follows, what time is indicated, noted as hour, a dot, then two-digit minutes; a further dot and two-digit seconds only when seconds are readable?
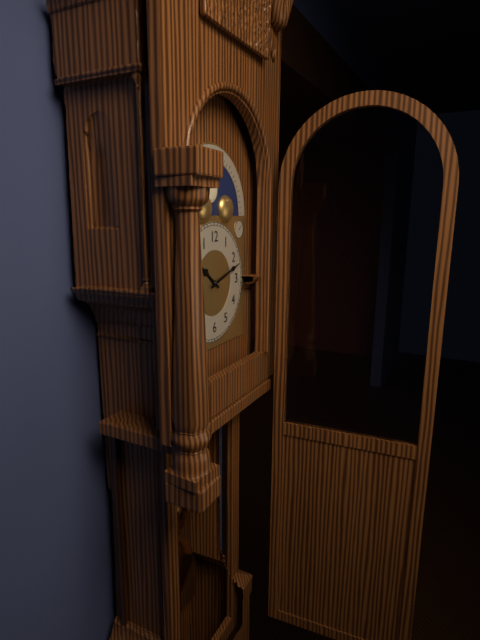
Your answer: 10.12
